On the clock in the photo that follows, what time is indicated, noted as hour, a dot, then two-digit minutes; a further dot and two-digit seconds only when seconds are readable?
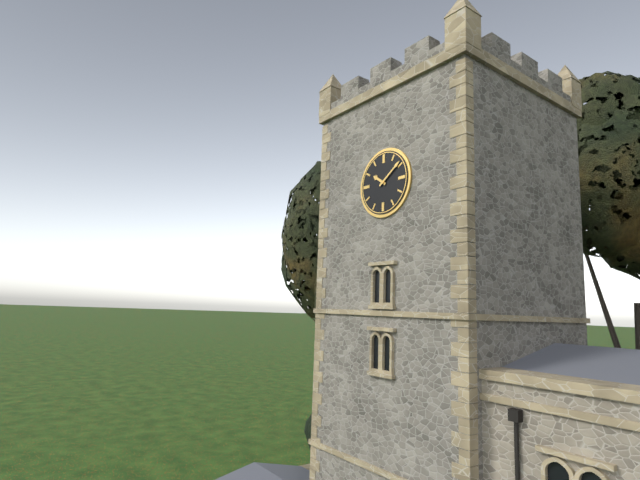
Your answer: 10.09
